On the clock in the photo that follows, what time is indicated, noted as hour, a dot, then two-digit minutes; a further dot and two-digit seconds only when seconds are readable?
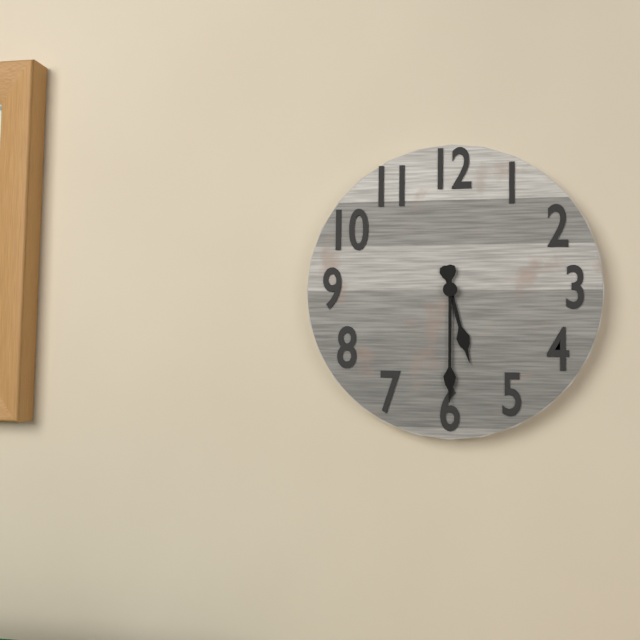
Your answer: 5.30
